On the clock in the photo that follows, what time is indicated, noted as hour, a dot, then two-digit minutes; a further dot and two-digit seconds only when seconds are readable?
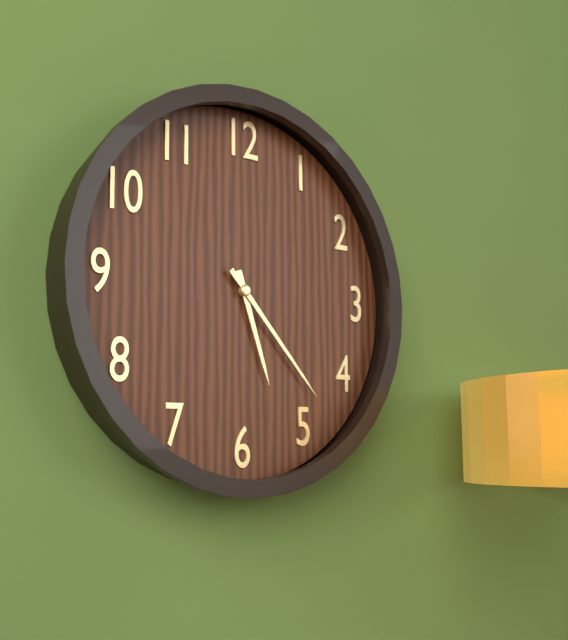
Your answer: 5.23
